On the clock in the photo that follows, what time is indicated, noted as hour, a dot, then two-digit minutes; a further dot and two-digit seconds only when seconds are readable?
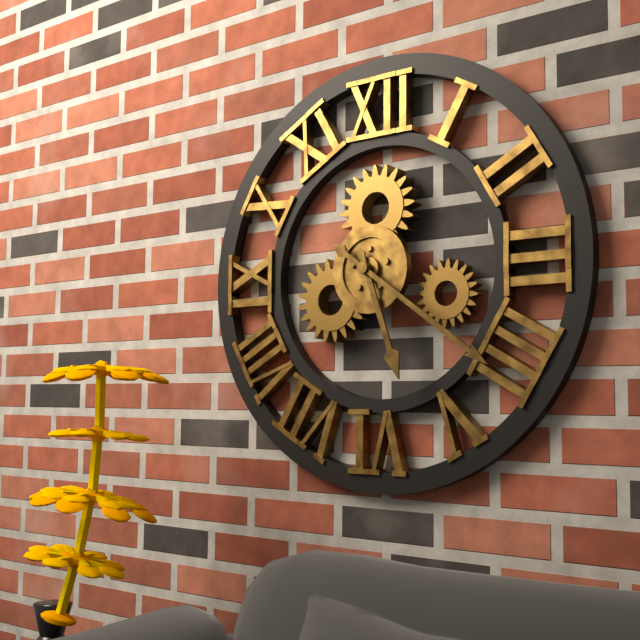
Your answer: 5.21
